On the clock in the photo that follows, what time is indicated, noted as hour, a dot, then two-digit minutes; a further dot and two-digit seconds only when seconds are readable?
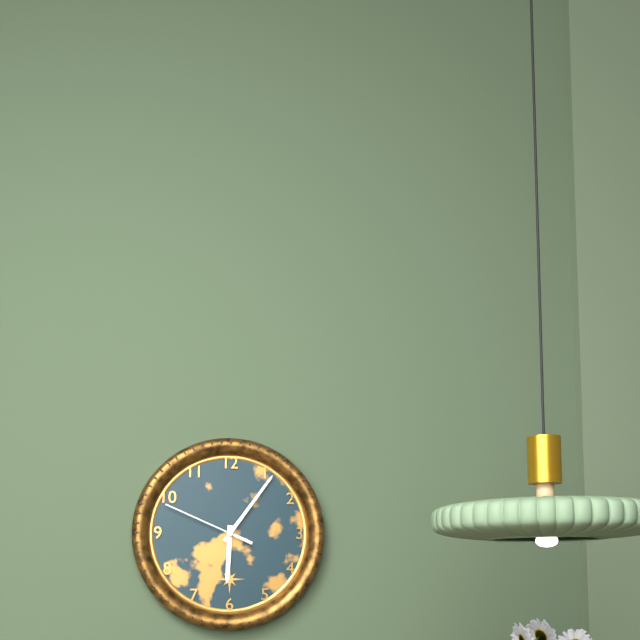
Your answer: 6.06.49
